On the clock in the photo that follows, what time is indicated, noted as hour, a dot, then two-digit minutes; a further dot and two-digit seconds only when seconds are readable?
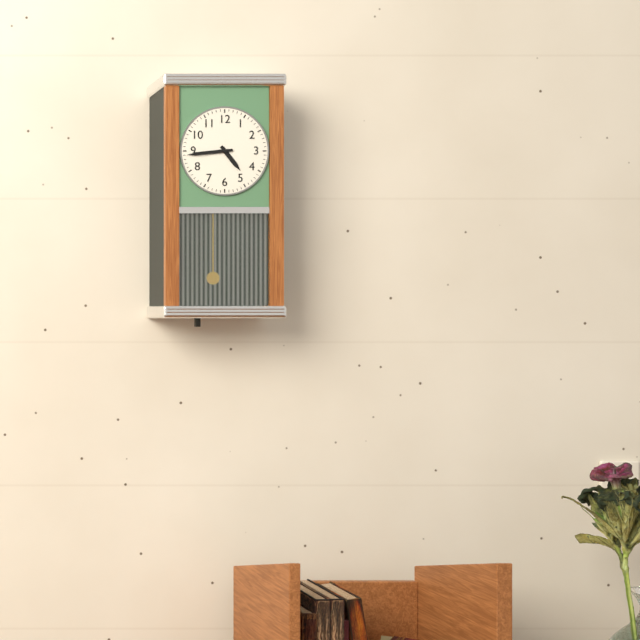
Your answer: 4.44
